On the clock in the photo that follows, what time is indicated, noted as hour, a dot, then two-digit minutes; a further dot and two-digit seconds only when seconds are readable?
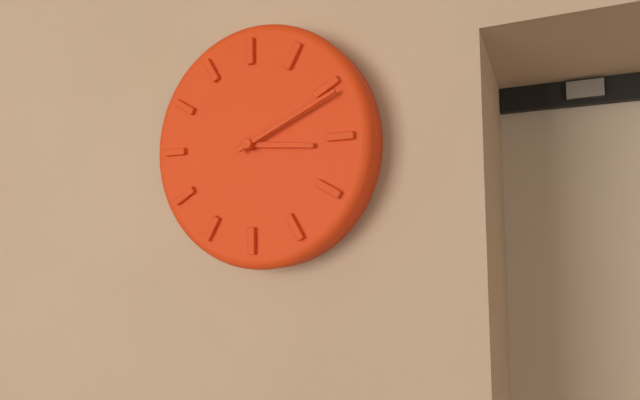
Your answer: 3.11
